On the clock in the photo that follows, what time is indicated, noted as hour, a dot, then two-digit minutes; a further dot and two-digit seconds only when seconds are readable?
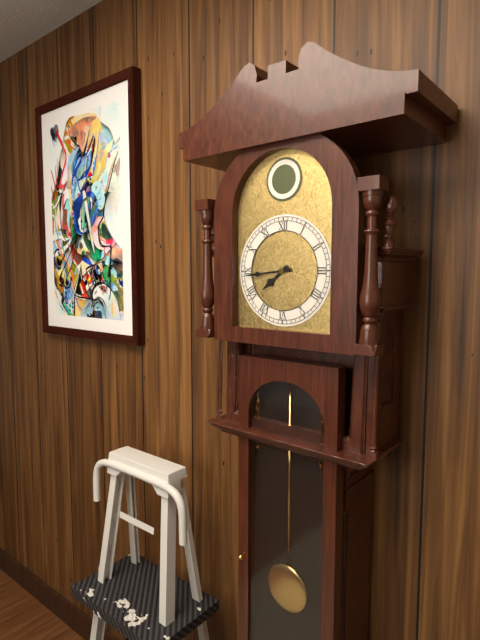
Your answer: 7.44
